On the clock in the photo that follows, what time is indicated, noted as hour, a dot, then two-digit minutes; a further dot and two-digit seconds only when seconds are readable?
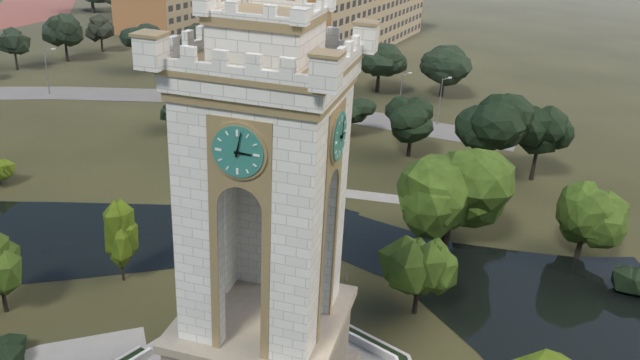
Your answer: 3.02
